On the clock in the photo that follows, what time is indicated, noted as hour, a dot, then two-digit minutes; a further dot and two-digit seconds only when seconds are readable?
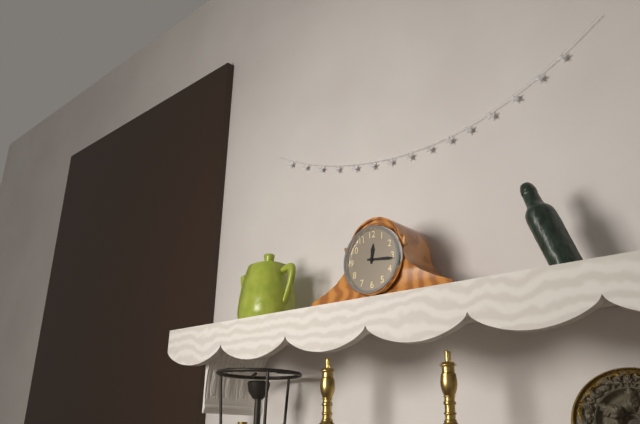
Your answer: 12.16
